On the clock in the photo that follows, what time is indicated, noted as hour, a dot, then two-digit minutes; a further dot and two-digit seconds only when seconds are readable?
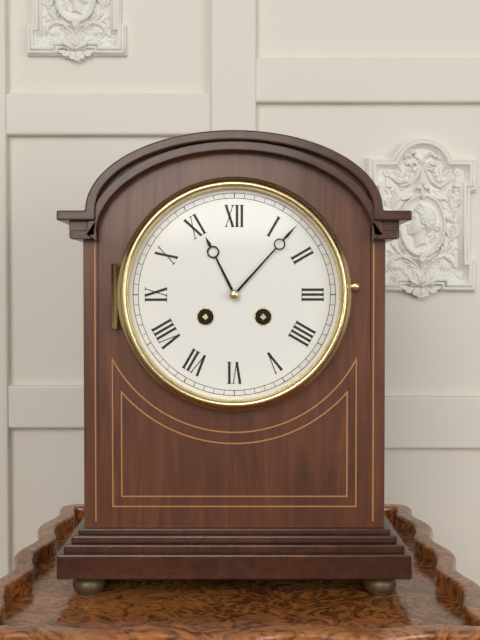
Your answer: 11.07
